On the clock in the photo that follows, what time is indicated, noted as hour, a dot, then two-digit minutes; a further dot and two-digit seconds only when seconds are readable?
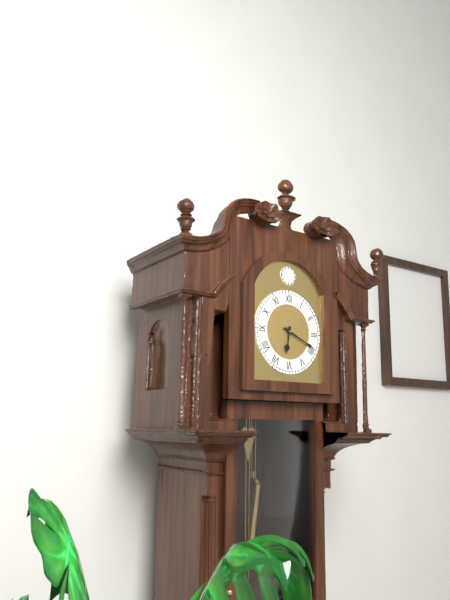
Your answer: 6.19
